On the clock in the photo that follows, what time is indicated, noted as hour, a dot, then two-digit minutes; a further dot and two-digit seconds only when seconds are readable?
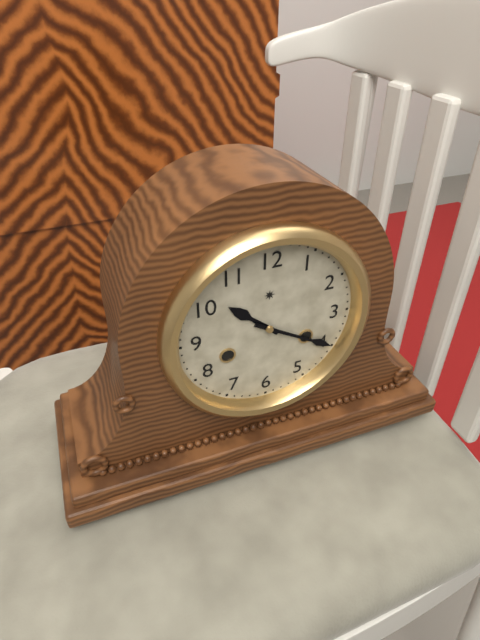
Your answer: 10.20
